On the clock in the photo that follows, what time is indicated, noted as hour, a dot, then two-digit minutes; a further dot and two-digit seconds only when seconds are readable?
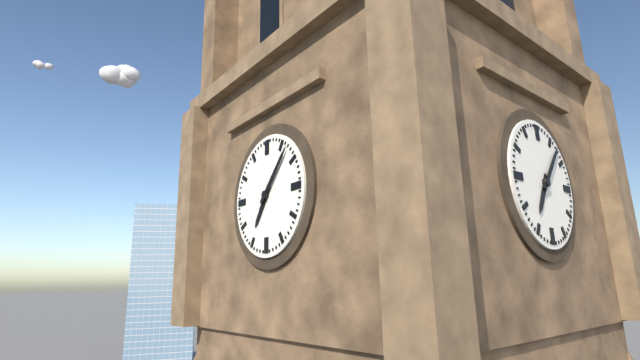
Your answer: 7.07
